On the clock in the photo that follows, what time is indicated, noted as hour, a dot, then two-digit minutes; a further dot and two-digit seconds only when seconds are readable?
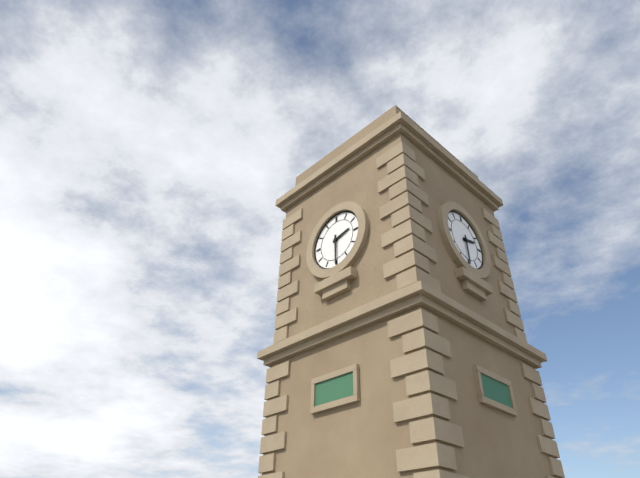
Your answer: 2.30
